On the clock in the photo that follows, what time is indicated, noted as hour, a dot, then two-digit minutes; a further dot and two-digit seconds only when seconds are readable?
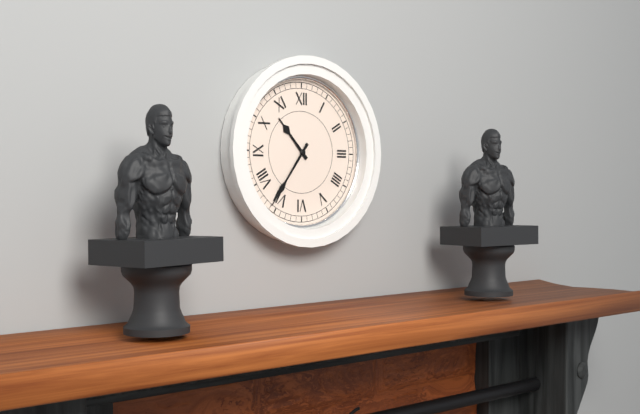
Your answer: 10.36
